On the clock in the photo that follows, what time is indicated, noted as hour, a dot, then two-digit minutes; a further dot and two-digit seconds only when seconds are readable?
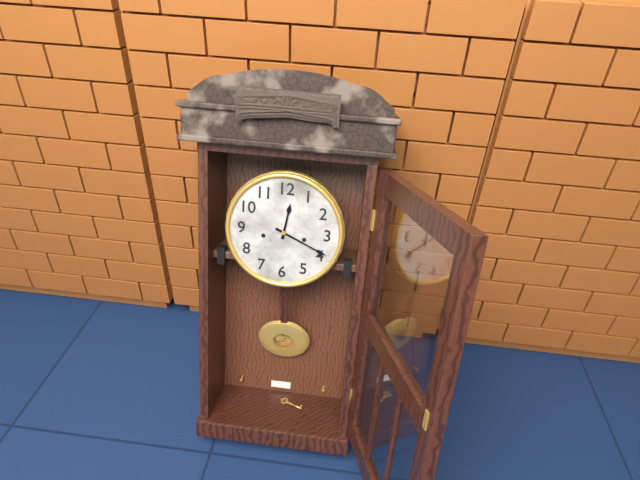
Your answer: 12.19
